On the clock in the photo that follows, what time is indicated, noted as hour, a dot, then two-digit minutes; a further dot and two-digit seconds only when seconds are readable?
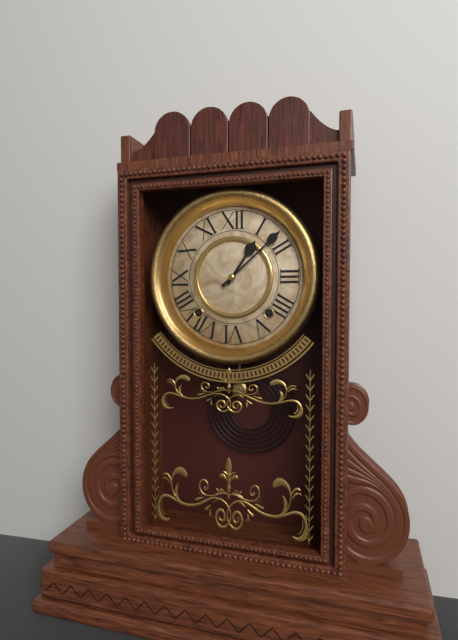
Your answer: 1.08
